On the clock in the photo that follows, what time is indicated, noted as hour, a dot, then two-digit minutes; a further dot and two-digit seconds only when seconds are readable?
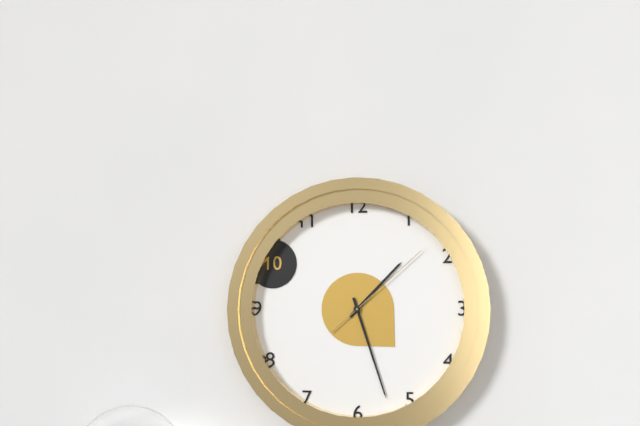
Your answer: 1.27.08
